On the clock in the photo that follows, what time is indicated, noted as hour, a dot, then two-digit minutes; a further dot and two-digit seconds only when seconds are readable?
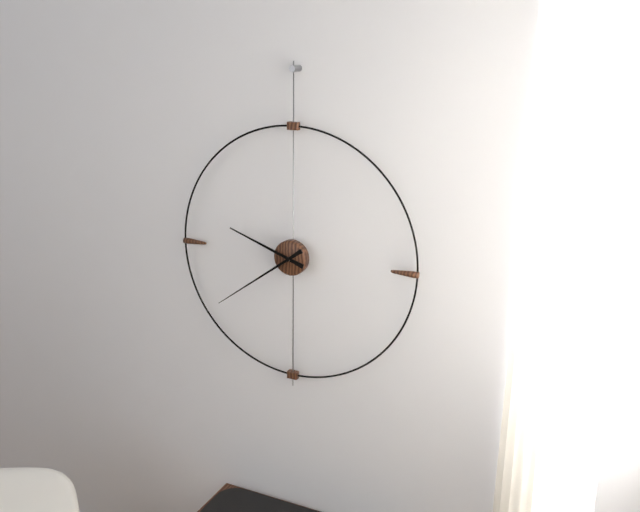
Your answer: 9.39
